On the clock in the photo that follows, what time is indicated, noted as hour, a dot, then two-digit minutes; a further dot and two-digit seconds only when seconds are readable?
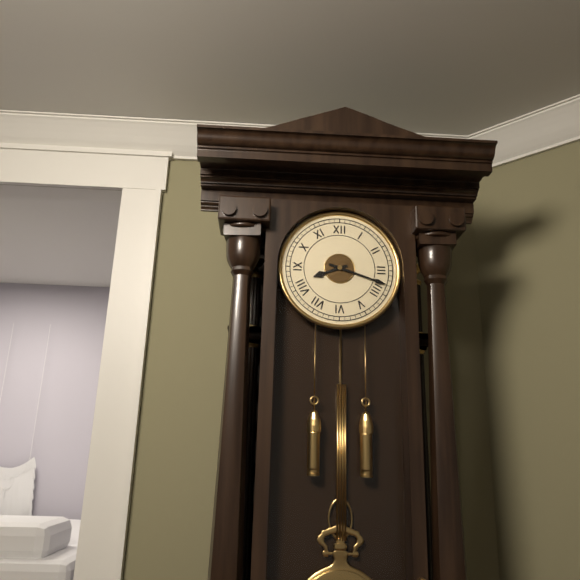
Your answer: 8.18
